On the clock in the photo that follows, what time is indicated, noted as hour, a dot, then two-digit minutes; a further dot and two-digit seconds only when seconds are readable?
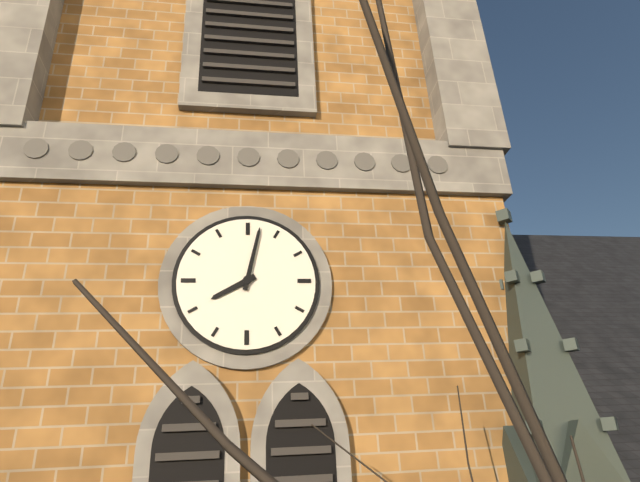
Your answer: 8.02
